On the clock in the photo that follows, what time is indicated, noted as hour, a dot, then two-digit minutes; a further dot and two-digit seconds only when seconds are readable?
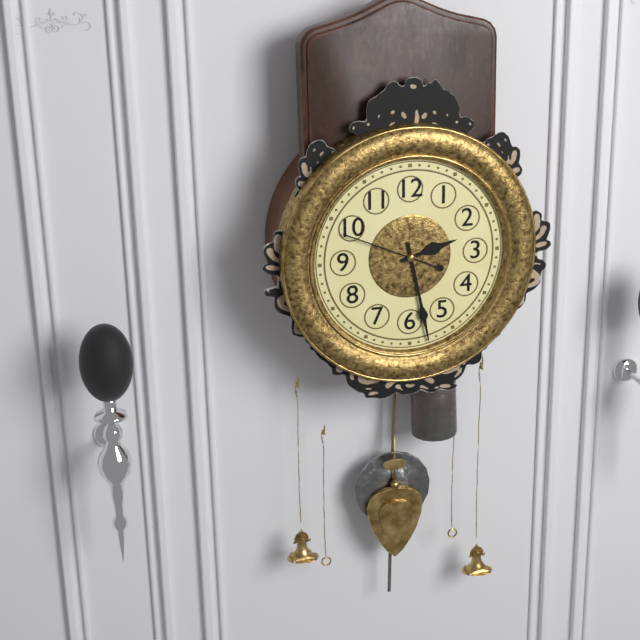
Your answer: 2.28.49
